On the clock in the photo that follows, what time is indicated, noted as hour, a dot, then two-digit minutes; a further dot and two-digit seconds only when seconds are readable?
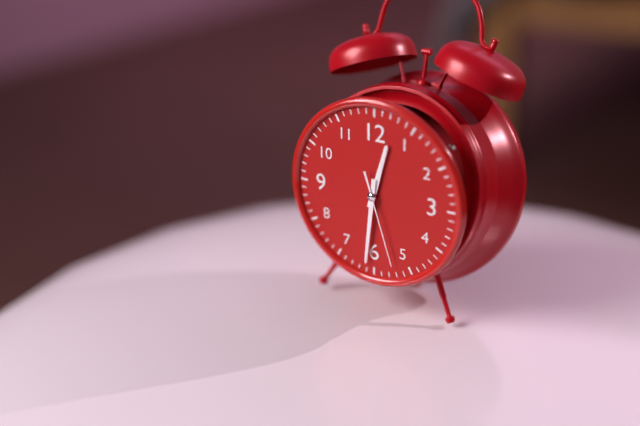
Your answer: 12.31.27
